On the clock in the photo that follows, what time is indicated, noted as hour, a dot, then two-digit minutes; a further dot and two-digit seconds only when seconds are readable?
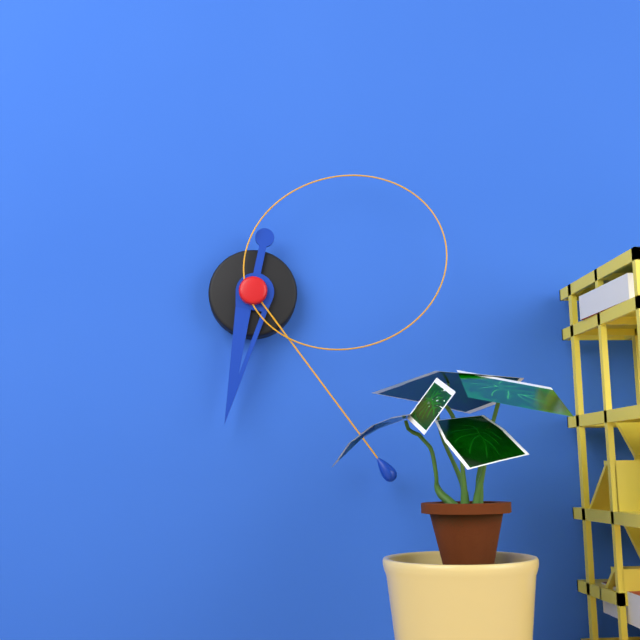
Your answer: 6.24.12
